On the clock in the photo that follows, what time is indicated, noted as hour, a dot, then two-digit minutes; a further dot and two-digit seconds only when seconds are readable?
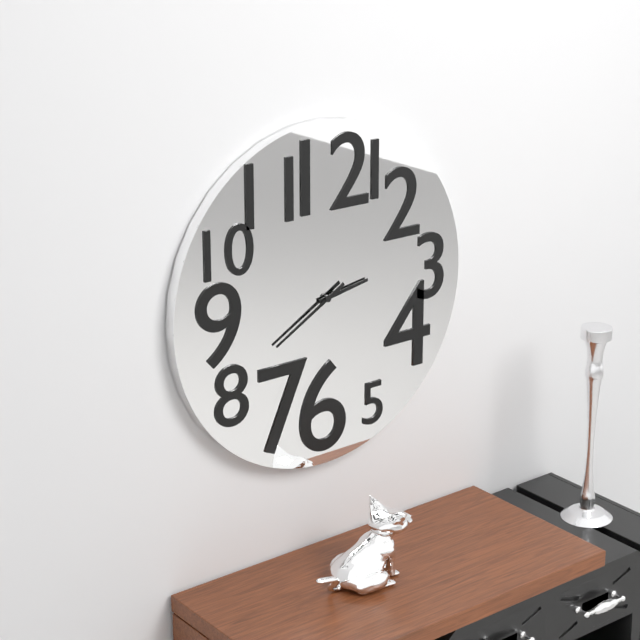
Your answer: 2.40
